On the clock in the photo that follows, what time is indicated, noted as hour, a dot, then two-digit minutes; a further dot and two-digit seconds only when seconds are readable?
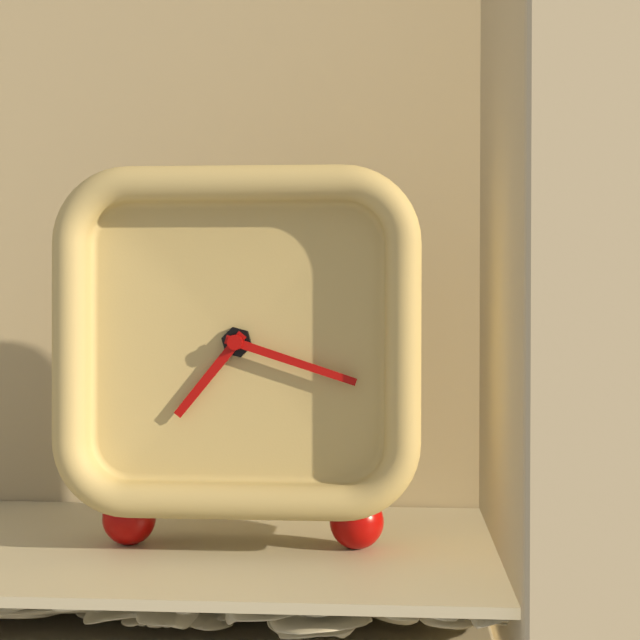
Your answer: 7.18
